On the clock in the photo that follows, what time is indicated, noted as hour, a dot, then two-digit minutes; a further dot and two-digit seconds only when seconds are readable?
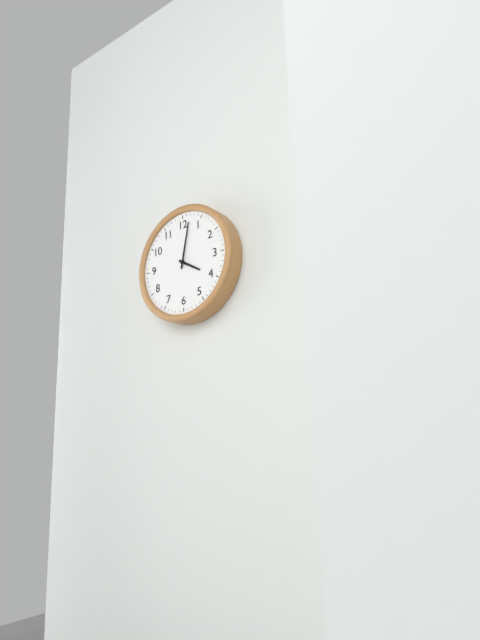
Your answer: 4.02
